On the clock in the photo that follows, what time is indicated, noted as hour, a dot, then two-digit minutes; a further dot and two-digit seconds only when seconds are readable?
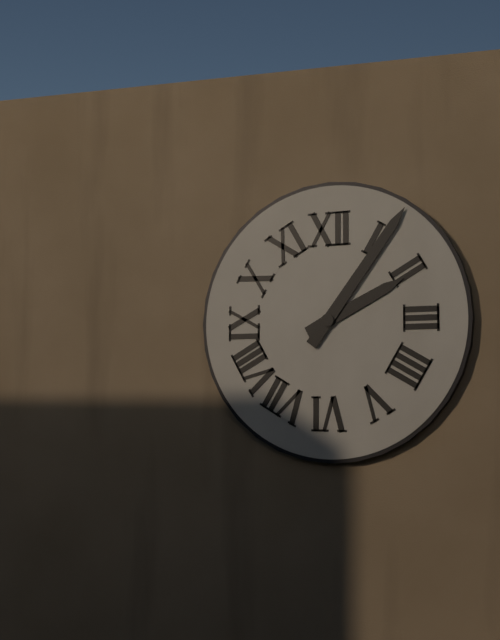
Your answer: 2.06
